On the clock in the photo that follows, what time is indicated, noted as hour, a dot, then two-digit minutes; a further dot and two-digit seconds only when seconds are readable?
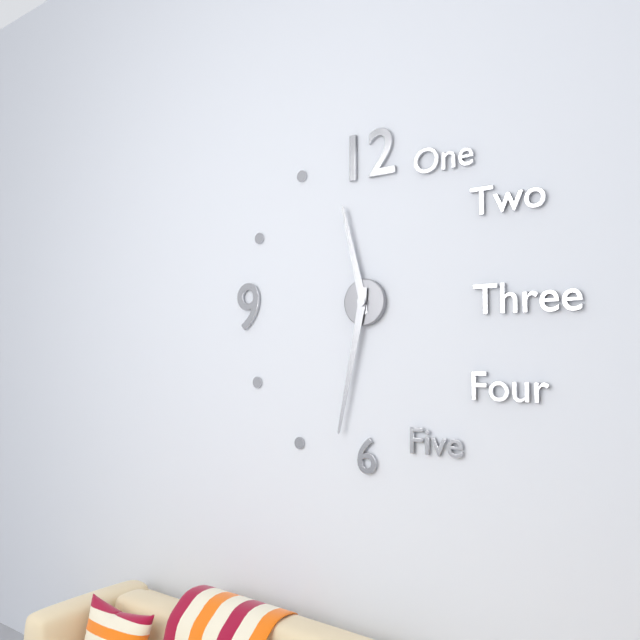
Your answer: 11.32
